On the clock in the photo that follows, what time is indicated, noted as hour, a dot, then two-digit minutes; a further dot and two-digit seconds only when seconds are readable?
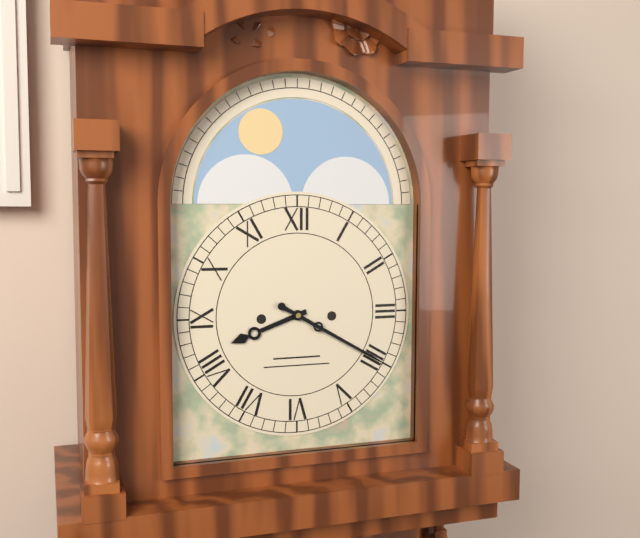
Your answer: 8.20
